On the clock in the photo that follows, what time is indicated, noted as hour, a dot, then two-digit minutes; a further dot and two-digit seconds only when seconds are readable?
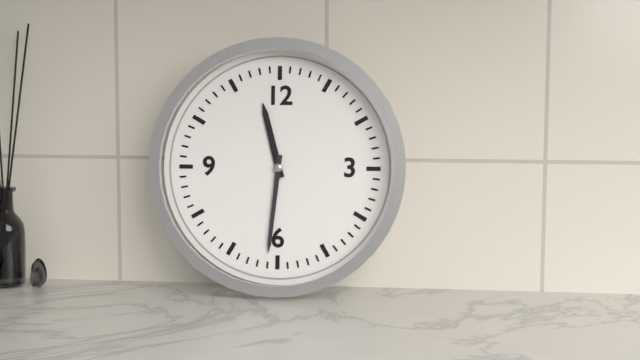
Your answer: 11.31
